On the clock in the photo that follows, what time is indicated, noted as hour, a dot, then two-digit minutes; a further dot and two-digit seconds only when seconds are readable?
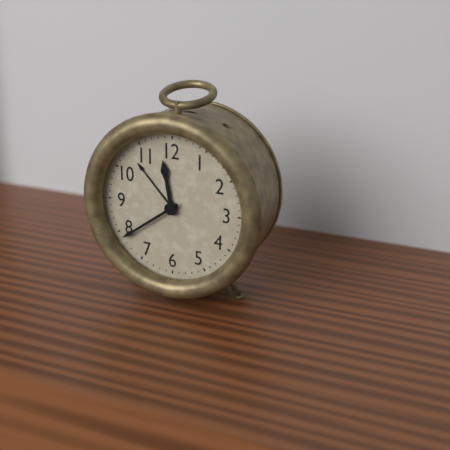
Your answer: 11.39
